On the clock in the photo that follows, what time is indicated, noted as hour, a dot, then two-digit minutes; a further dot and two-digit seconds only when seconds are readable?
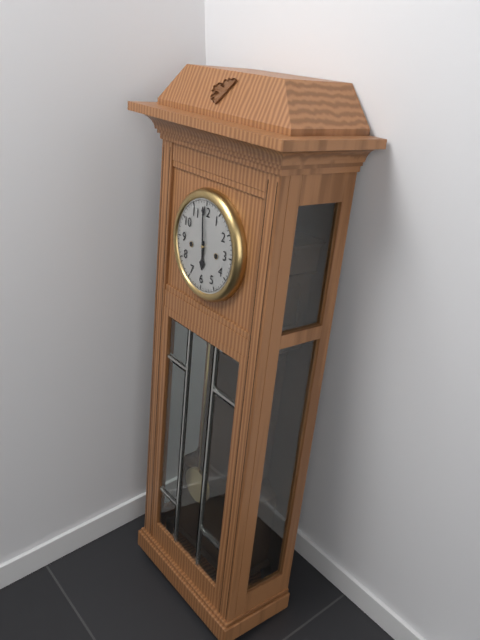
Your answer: 5.59
